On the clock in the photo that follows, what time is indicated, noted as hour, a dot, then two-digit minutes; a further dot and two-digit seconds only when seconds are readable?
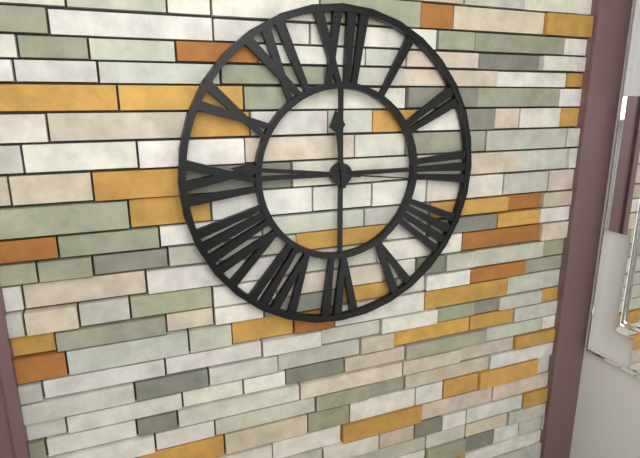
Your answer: 11.46.16
